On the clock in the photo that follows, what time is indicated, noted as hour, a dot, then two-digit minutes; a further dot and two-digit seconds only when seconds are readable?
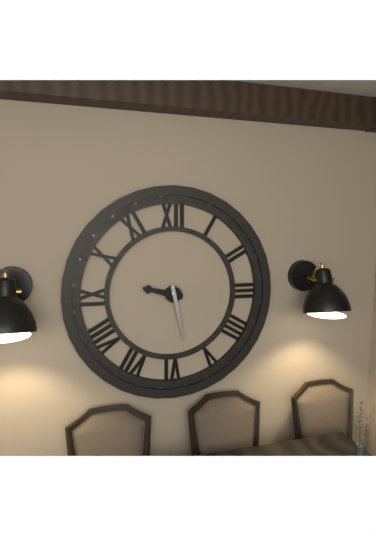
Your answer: 9.28
